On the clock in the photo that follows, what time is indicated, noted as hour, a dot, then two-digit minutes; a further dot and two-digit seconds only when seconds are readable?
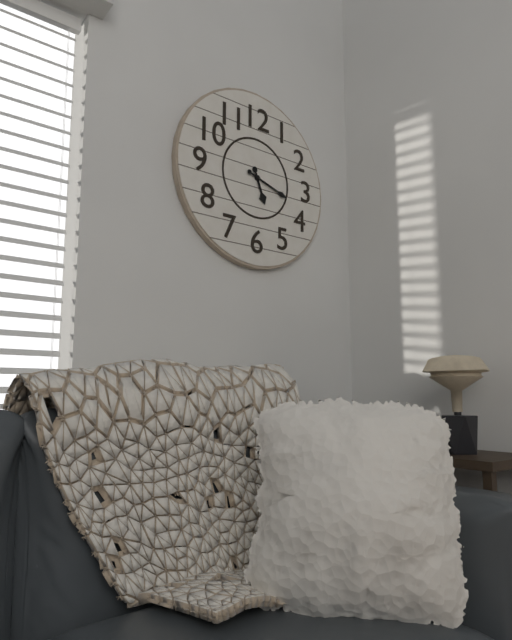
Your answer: 5.18
